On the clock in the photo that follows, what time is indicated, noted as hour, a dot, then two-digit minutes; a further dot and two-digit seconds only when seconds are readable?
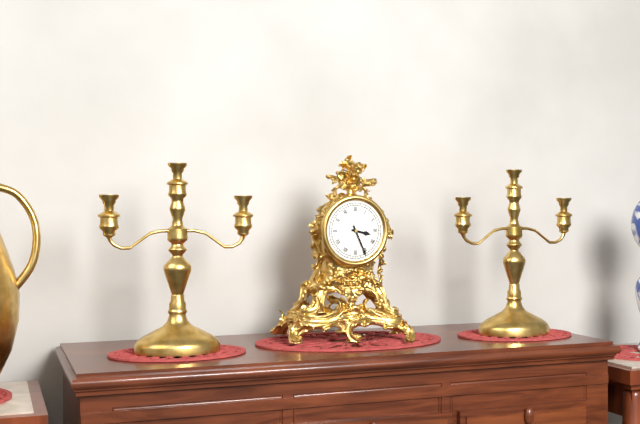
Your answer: 3.26
